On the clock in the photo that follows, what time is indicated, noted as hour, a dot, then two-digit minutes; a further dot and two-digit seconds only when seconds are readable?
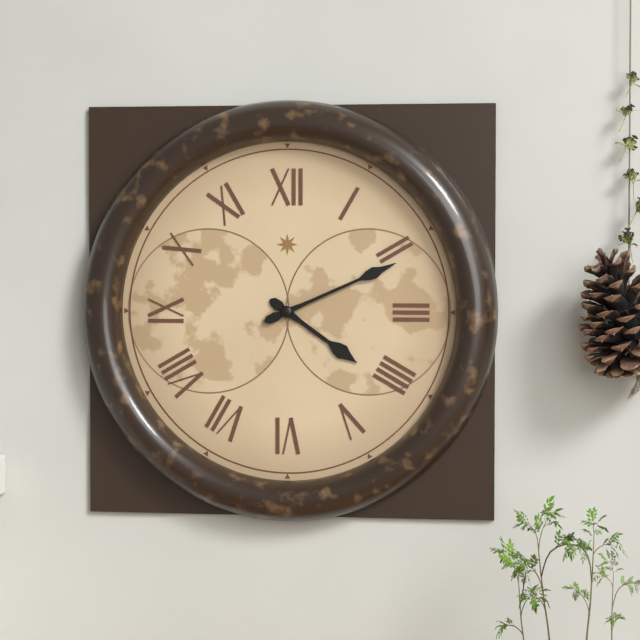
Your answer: 4.11
